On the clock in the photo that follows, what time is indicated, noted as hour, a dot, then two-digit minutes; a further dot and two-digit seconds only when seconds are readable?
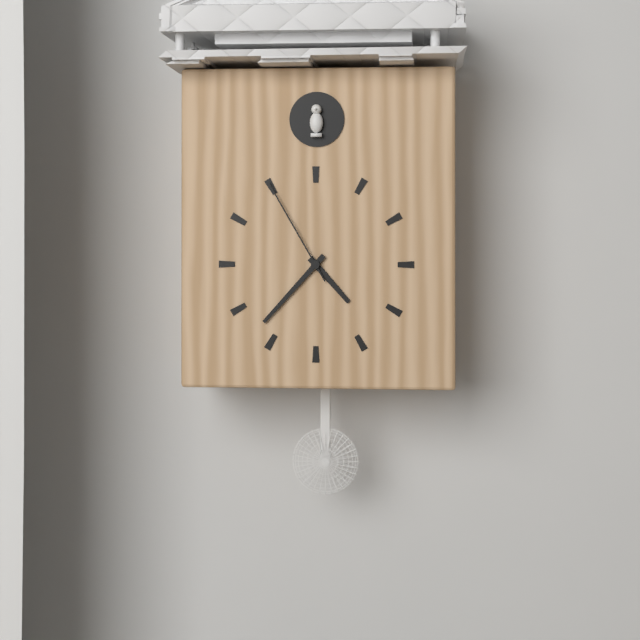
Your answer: 4.37.55
